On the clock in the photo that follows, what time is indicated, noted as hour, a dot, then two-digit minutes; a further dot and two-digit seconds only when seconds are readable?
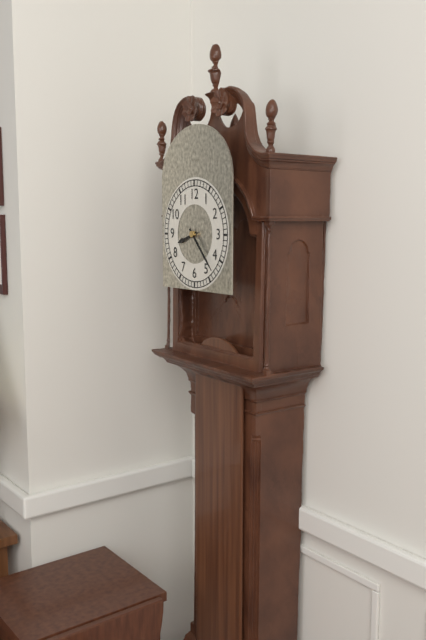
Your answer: 8.23
